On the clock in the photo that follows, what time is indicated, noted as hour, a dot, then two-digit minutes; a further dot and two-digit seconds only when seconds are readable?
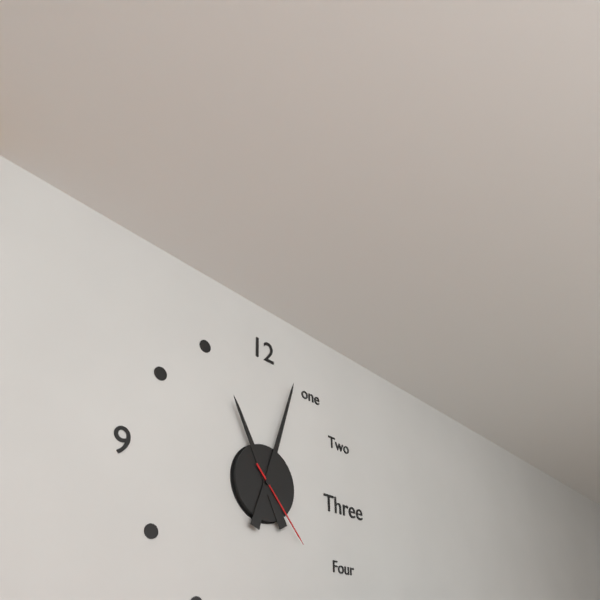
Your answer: 11.03.23
